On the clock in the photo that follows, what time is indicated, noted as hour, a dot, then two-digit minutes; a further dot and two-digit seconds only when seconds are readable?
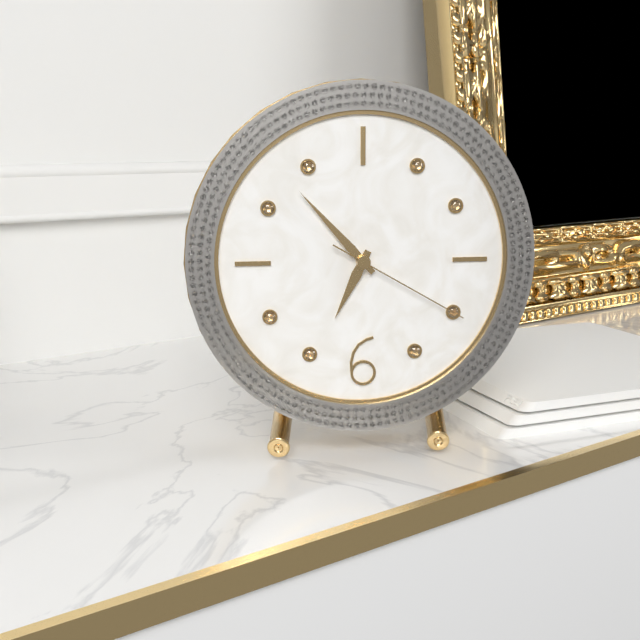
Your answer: 6.53.20
